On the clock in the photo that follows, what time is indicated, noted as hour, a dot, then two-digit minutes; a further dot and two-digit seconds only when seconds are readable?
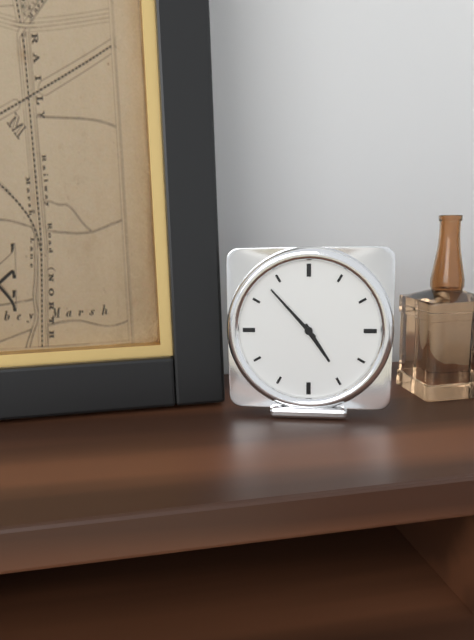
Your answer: 4.53
